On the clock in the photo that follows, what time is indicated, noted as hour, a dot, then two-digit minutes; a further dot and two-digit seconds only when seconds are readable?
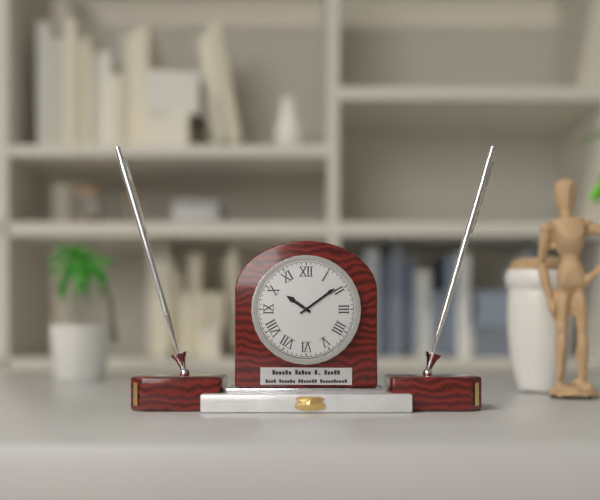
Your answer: 10.09
